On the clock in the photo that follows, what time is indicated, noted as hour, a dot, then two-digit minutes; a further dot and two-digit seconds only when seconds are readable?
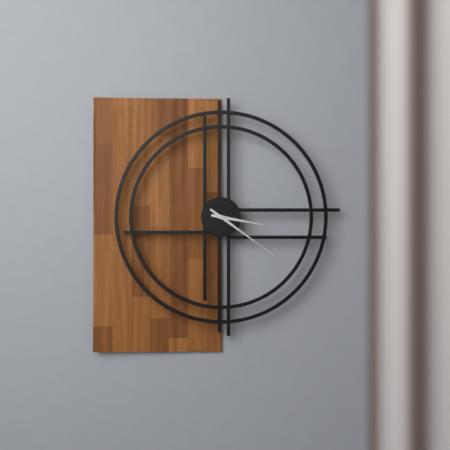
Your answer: 3.21
